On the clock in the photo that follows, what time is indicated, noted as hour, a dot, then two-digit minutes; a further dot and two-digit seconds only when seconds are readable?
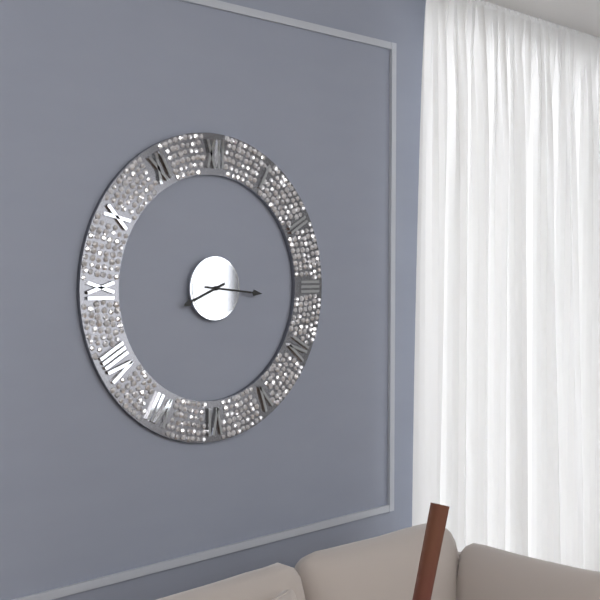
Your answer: 8.16
